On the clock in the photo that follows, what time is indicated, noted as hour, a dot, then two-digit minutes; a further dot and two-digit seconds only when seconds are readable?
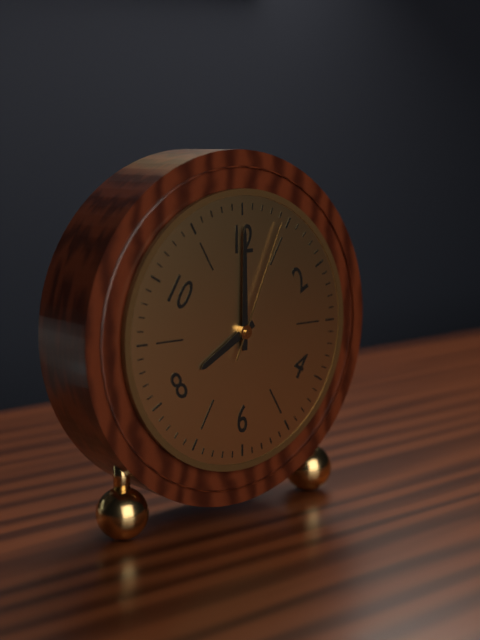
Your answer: 8.00.04
